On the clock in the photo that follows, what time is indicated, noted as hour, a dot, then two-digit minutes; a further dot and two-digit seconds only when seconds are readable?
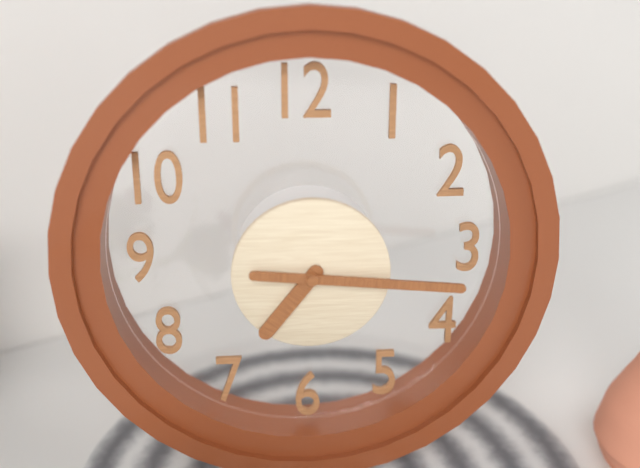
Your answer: 7.16
